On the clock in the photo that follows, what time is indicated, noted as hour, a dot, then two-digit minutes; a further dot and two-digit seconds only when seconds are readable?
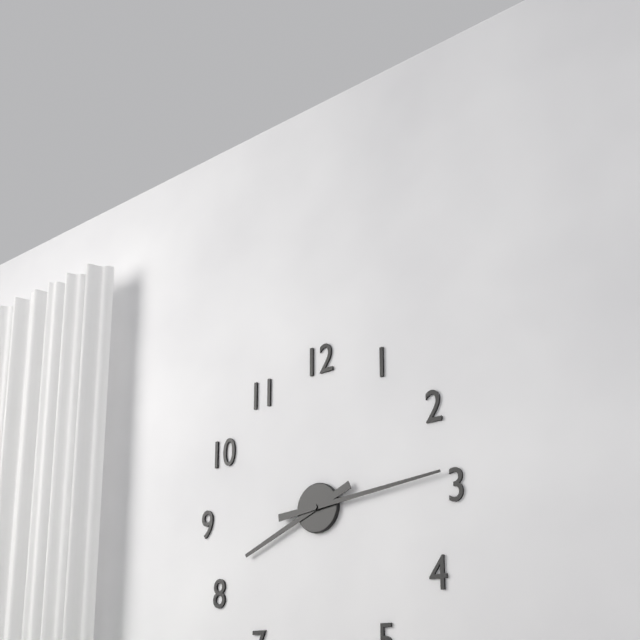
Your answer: 8.14
